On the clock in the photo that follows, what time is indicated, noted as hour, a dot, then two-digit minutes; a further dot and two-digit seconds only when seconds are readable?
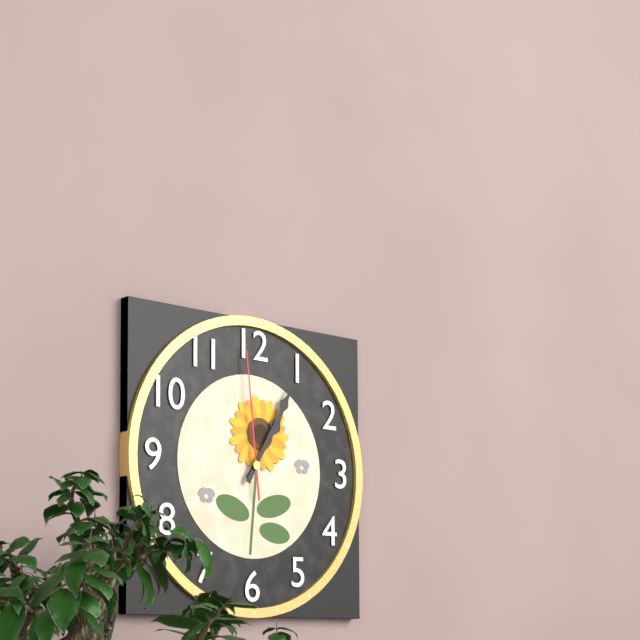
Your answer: 1.05.59
